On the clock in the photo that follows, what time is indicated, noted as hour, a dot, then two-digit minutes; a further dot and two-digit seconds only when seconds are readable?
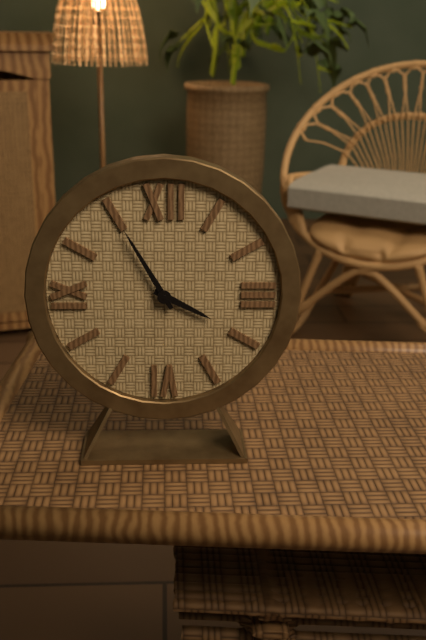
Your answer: 3.55
